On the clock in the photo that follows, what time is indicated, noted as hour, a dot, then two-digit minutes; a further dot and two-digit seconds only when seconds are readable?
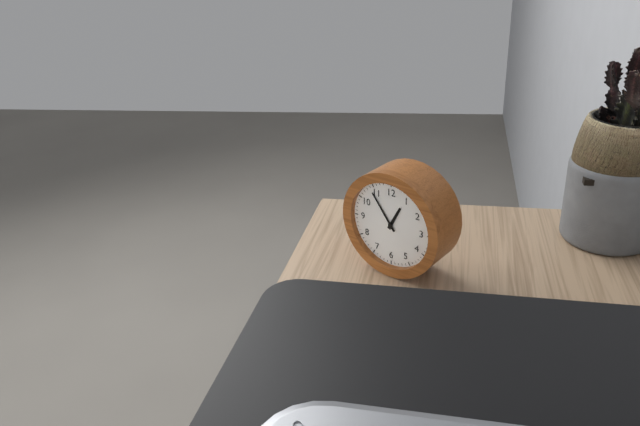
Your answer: 12.54
